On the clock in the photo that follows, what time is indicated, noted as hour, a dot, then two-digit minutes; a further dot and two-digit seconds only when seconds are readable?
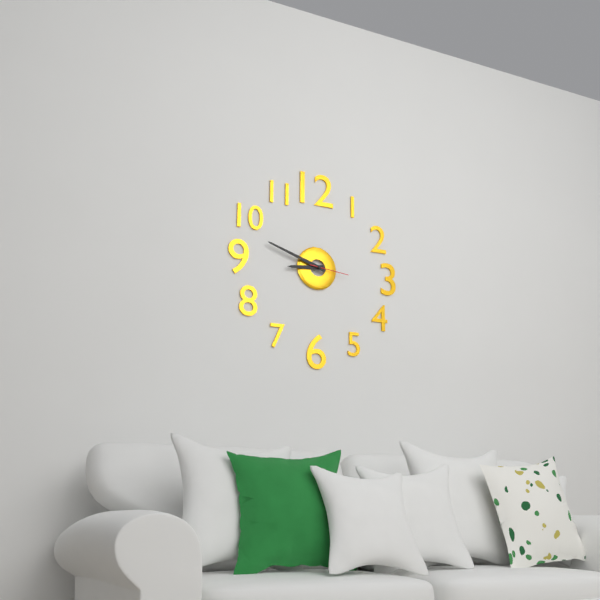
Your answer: 8.48
